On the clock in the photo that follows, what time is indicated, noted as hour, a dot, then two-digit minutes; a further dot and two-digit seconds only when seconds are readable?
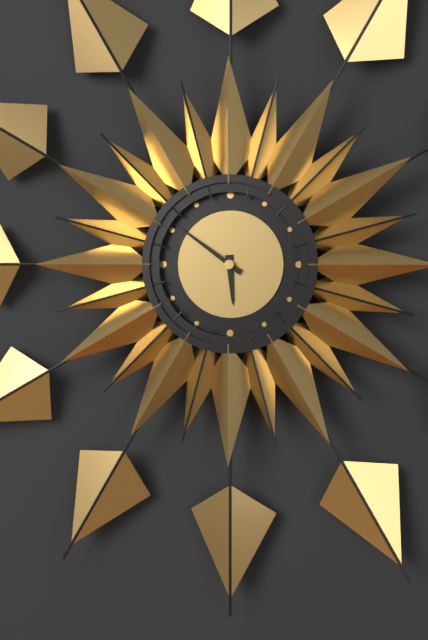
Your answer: 5.51
